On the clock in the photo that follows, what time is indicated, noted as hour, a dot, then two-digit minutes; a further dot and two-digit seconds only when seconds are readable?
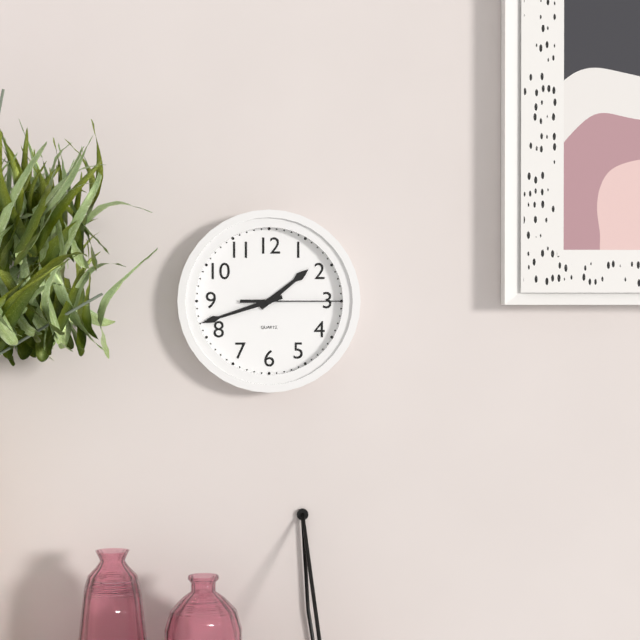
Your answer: 1.42.15
